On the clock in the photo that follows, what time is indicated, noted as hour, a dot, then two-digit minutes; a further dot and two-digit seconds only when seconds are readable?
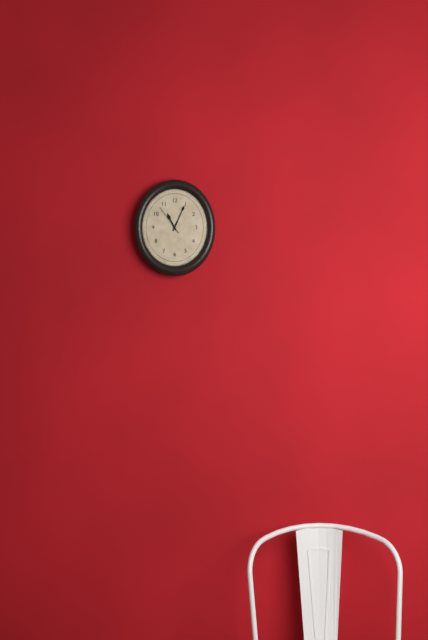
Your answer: 11.04
